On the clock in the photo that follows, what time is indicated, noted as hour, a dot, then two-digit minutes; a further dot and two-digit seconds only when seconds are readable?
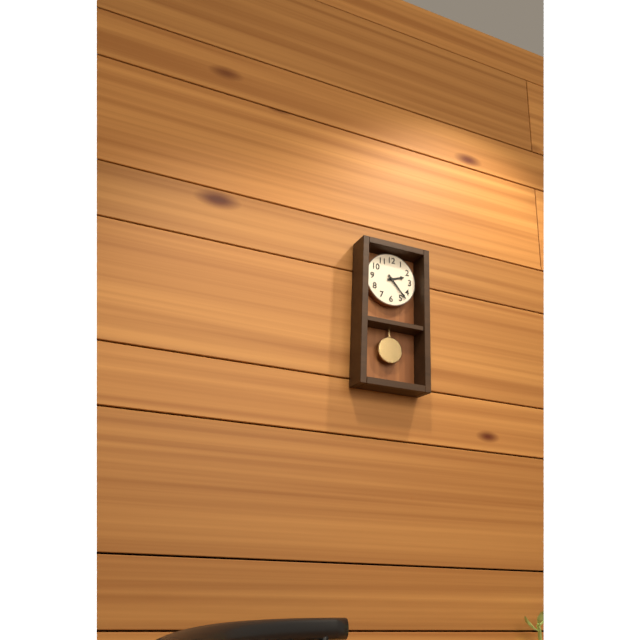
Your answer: 2.23
